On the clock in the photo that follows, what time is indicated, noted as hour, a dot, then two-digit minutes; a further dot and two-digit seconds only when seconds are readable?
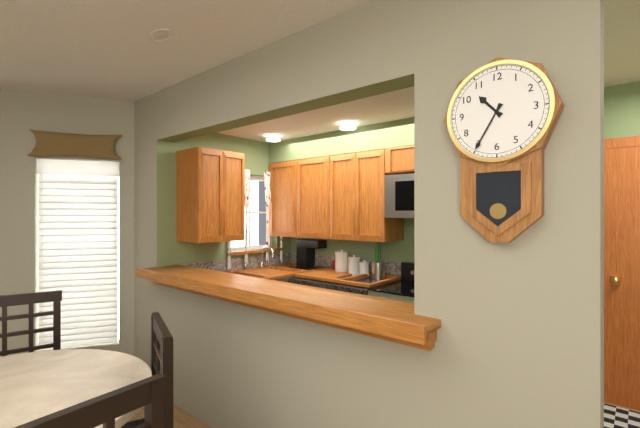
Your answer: 10.35
